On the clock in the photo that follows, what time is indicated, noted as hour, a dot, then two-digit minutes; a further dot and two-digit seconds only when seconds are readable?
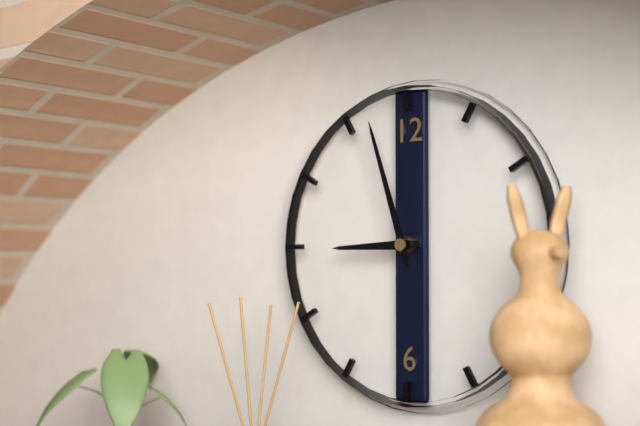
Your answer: 8.57
